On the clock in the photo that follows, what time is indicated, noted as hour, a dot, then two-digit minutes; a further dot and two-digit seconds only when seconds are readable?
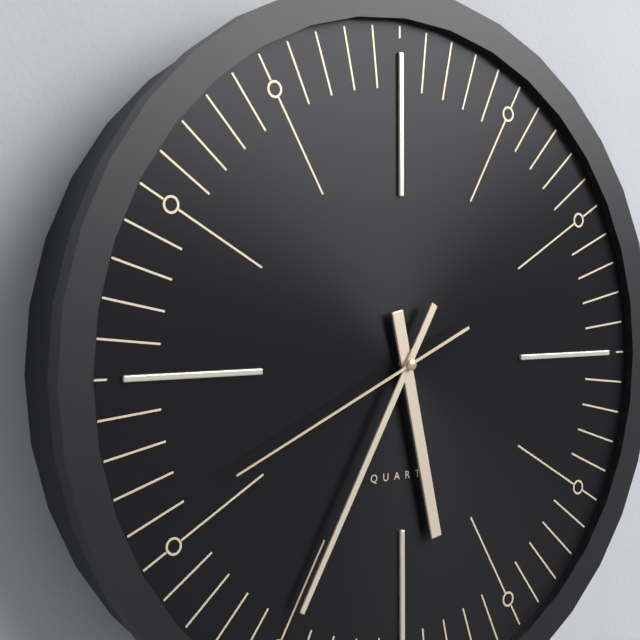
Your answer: 5.35.41
